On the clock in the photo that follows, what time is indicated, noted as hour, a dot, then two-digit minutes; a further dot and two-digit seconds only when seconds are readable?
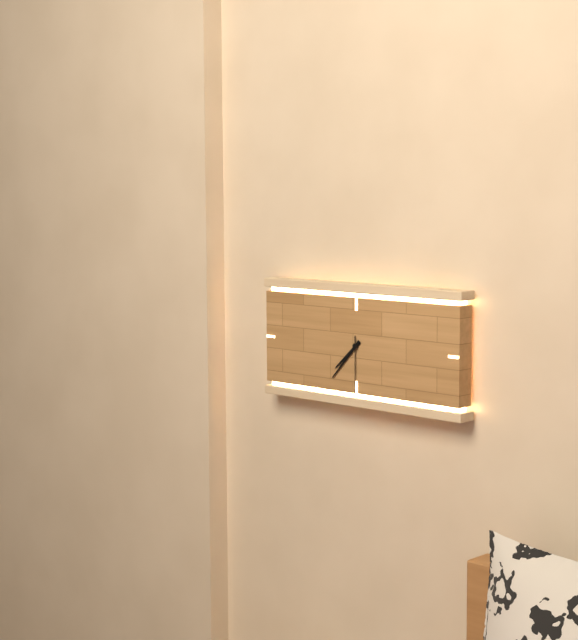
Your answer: 7.37.30
